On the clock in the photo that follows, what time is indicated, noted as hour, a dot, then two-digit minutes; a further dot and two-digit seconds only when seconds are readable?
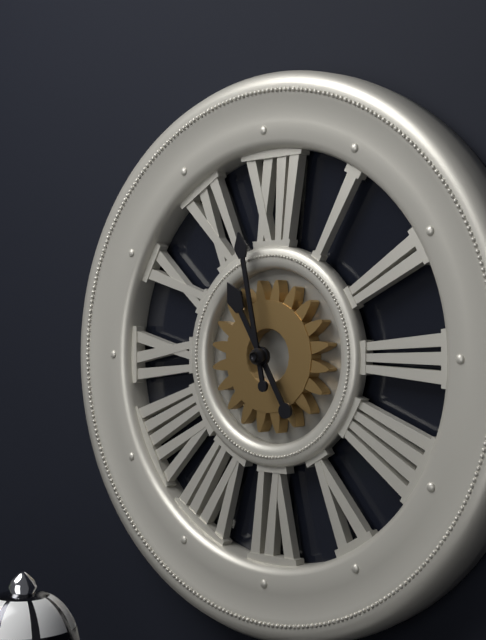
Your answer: 10.58
